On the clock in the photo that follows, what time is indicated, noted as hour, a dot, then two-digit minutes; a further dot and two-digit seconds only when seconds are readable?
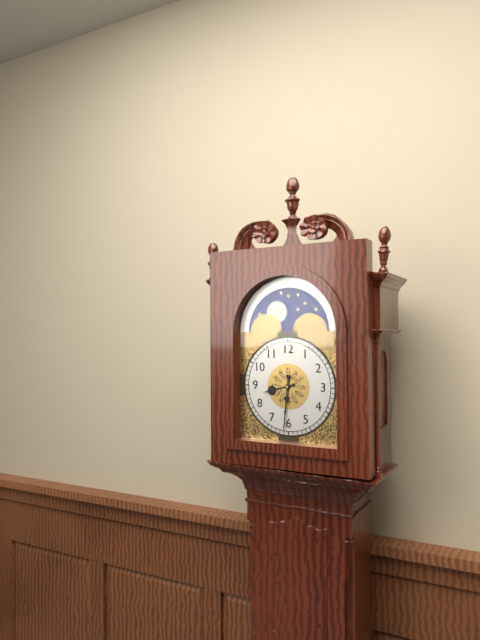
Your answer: 8.31
